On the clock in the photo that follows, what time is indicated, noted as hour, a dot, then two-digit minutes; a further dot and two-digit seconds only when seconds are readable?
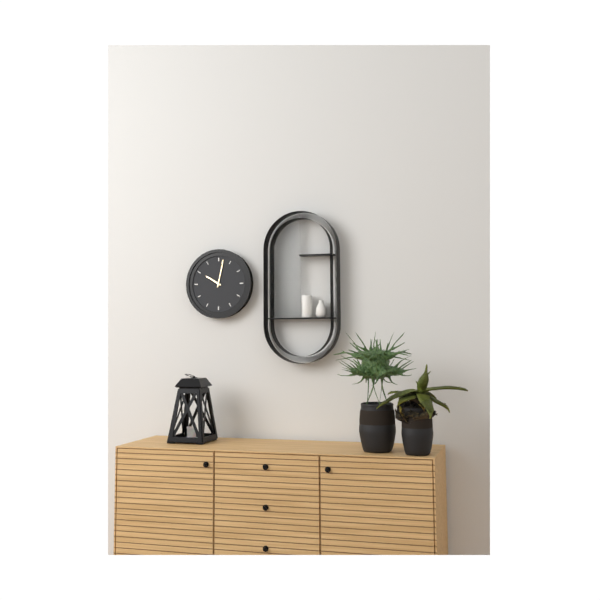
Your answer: 10.02
